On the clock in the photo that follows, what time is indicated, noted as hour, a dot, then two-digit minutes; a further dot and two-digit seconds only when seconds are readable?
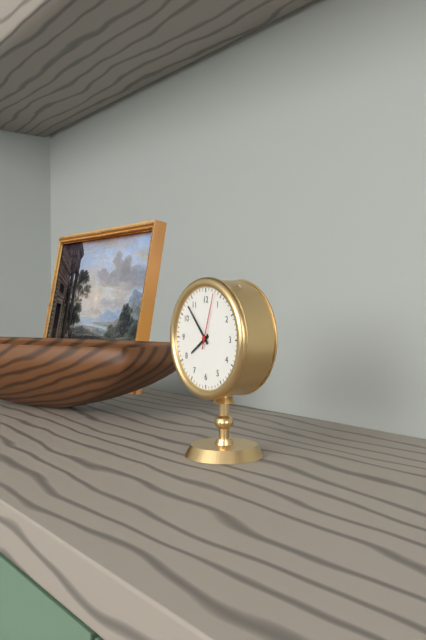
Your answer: 7.53.03
